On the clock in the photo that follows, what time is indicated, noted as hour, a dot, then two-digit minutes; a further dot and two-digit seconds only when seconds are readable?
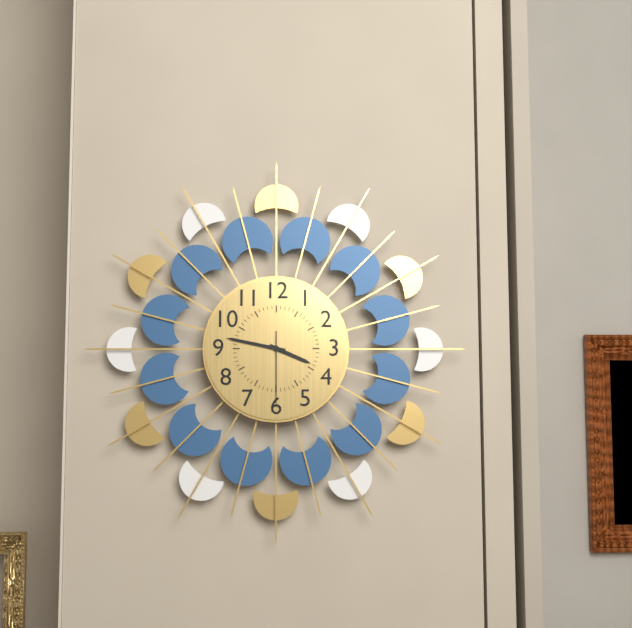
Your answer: 3.47.30
